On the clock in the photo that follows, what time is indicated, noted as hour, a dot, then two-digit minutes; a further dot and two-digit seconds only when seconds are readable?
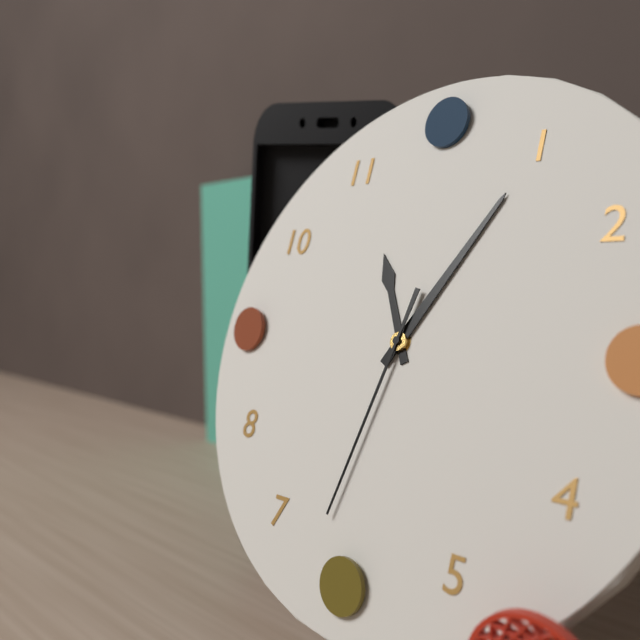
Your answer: 11.05.32
